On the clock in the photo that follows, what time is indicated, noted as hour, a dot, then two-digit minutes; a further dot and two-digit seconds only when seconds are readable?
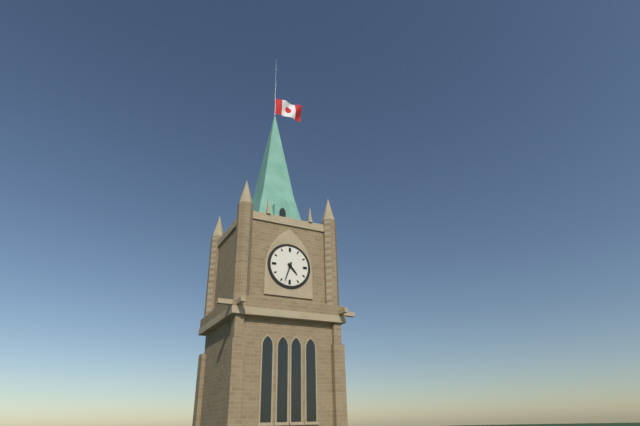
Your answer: 4.33
